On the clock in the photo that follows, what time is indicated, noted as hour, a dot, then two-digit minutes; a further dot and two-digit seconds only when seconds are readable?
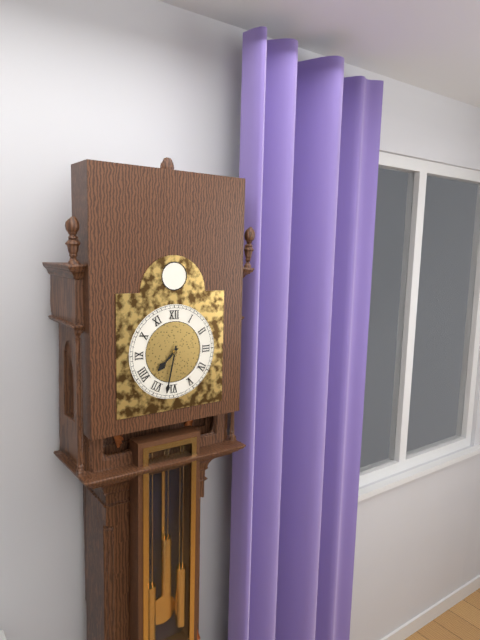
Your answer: 7.32
